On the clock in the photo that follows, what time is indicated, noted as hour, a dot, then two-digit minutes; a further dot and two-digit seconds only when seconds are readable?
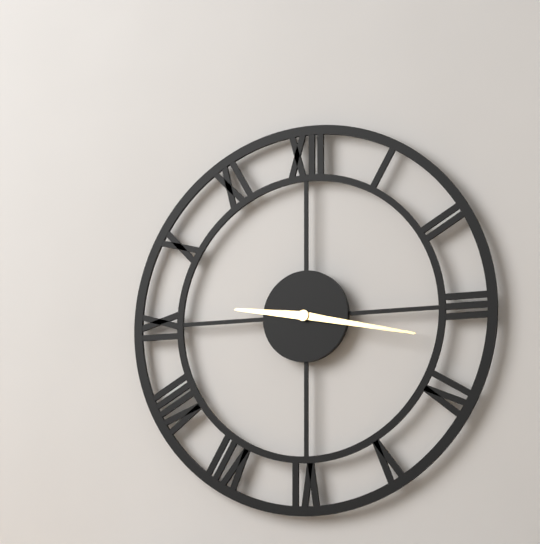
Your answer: 9.17
